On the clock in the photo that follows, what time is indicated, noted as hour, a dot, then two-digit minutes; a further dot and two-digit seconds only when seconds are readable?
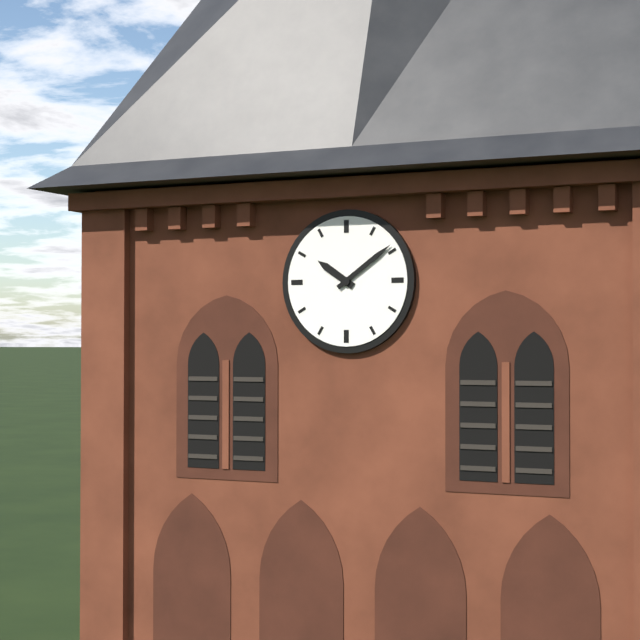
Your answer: 10.09
